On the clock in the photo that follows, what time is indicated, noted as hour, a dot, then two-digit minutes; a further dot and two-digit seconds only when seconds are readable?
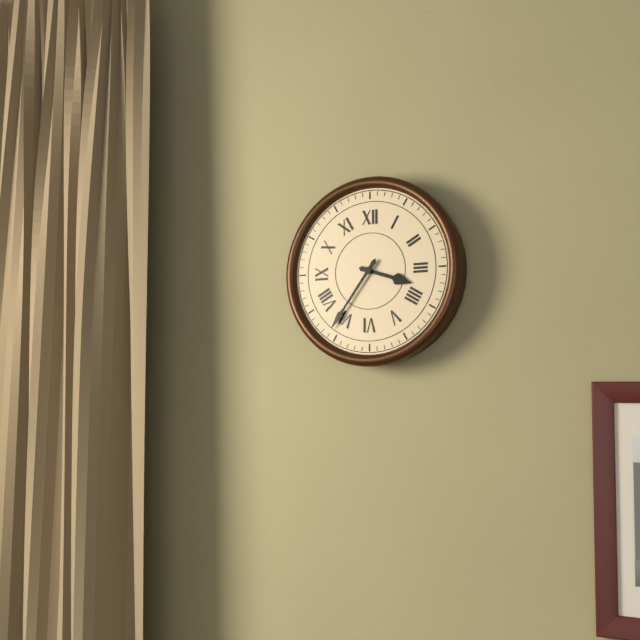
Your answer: 3.36
